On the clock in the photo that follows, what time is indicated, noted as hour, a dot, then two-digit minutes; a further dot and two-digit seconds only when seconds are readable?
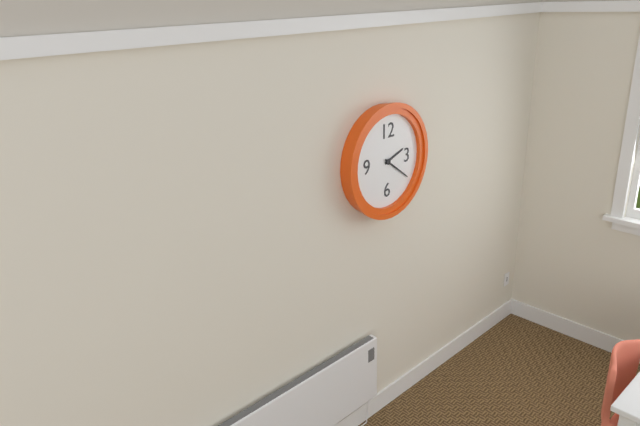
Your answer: 2.21
